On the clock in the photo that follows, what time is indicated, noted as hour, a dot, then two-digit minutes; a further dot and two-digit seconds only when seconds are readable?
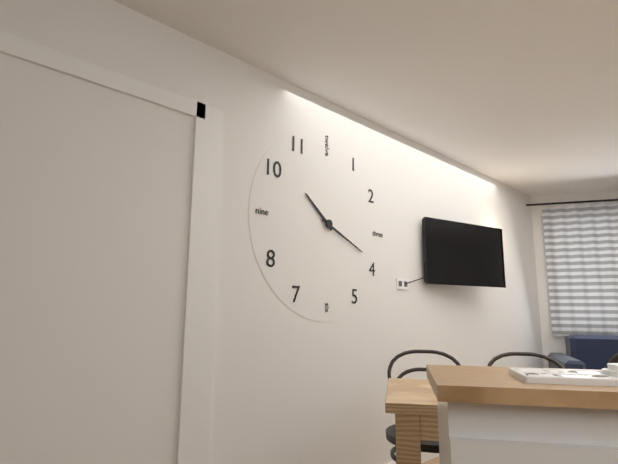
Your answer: 10.19
